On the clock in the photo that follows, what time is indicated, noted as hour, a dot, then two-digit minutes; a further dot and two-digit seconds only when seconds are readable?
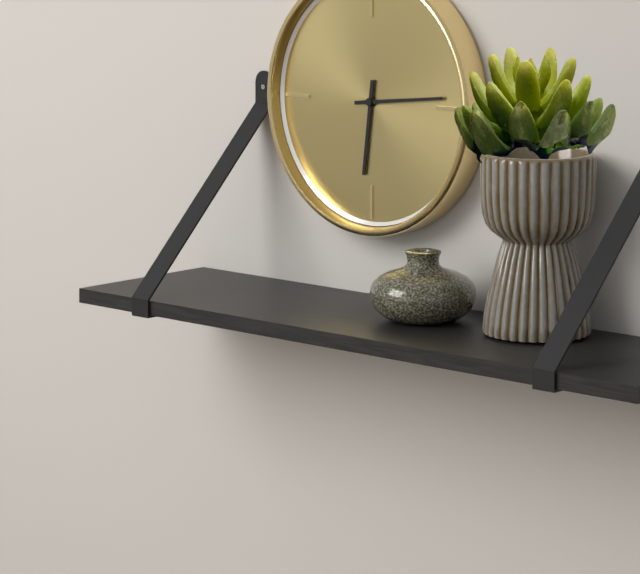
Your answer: 6.14
